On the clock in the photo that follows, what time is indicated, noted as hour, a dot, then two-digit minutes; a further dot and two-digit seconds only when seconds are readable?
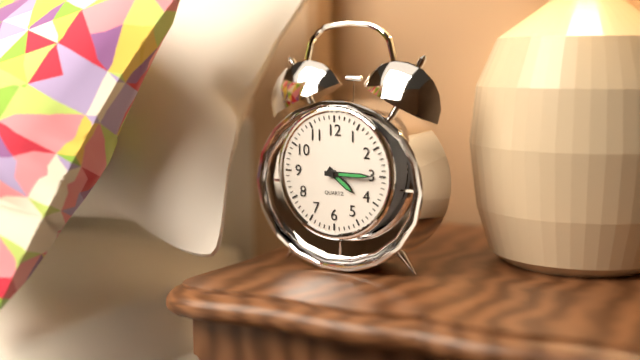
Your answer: 4.15
